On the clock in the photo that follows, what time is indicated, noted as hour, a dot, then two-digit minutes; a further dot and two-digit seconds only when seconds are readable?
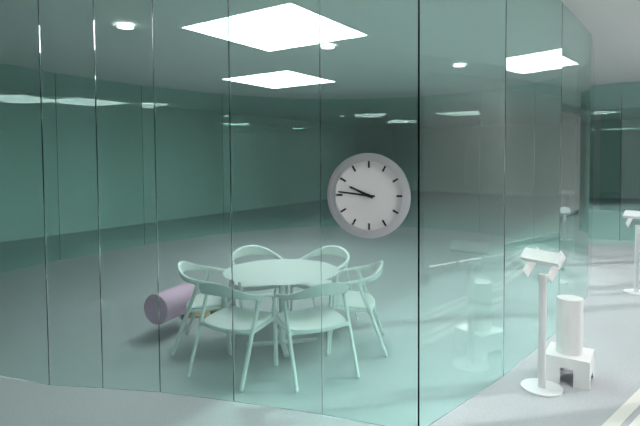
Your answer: 9.46
